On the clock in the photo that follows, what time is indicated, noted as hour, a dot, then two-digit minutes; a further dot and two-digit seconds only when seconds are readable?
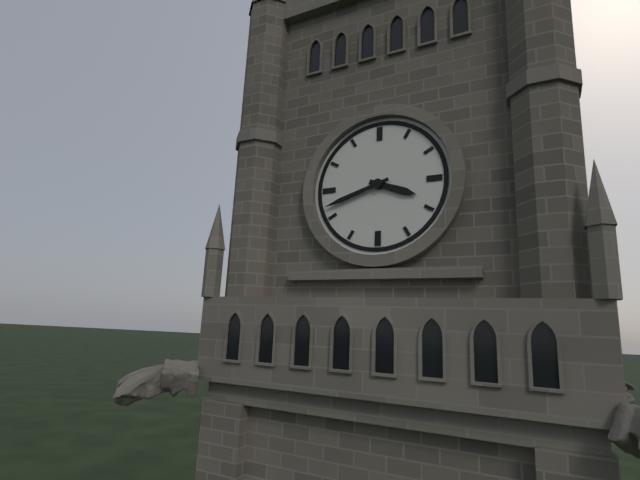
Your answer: 3.42
